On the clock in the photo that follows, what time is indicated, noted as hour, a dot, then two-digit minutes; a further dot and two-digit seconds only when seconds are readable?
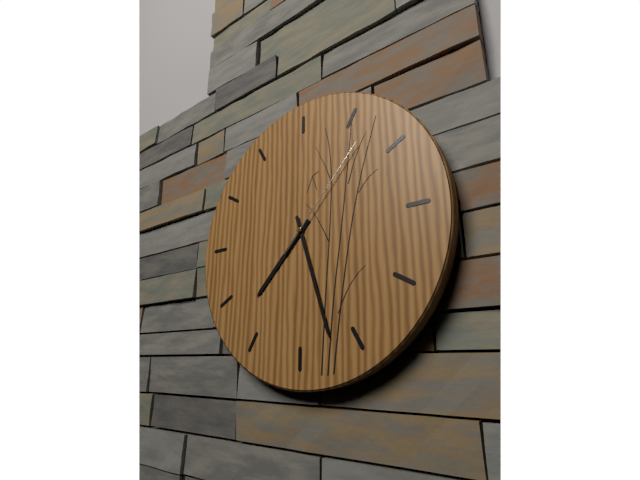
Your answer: 7.27.07
